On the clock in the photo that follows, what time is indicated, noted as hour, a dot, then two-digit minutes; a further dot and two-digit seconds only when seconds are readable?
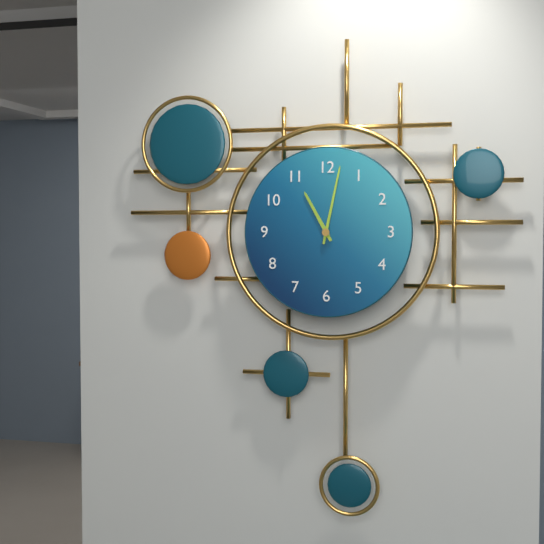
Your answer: 11.02
